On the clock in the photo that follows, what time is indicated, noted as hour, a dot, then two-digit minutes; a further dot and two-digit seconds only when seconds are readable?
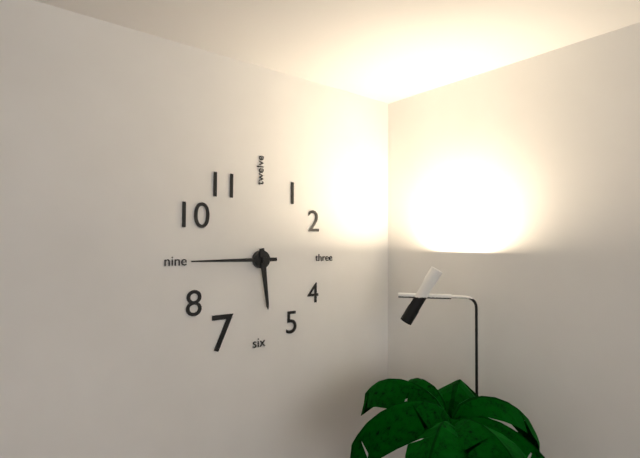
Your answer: 5.45
